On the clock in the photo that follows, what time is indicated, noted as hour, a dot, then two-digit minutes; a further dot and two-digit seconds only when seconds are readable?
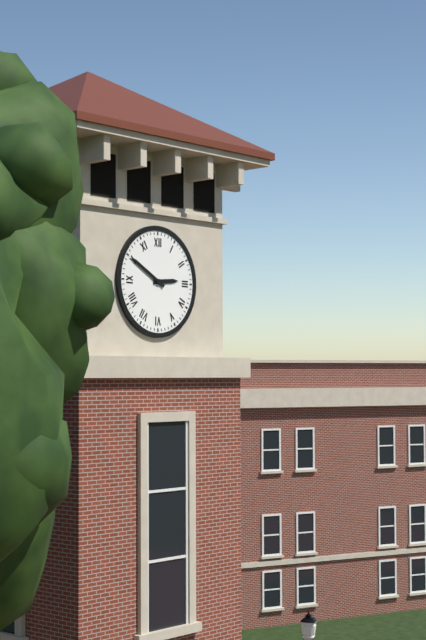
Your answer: 2.50
